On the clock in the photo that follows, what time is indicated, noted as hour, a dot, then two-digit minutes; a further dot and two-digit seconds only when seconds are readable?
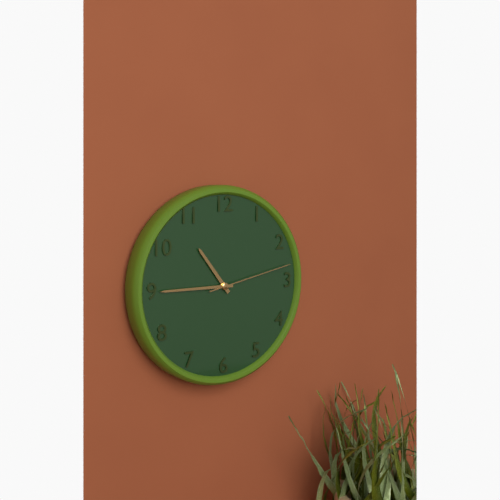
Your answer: 10.45.13
